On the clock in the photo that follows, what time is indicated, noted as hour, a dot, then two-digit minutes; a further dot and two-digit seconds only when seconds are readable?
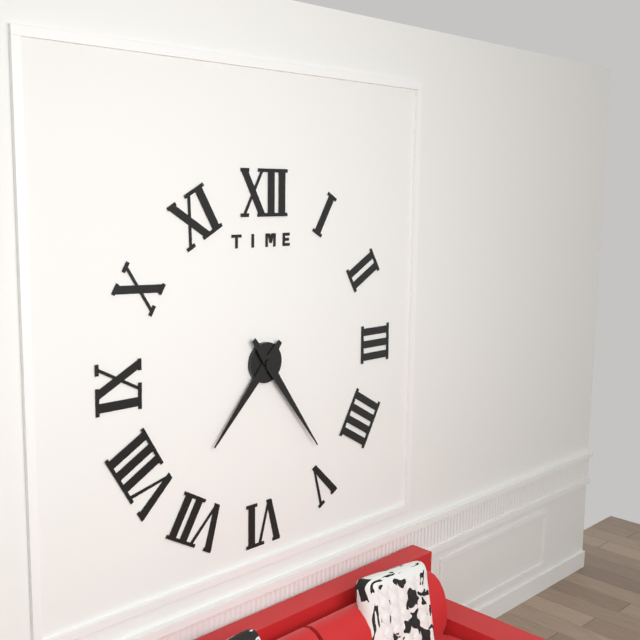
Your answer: 7.24
